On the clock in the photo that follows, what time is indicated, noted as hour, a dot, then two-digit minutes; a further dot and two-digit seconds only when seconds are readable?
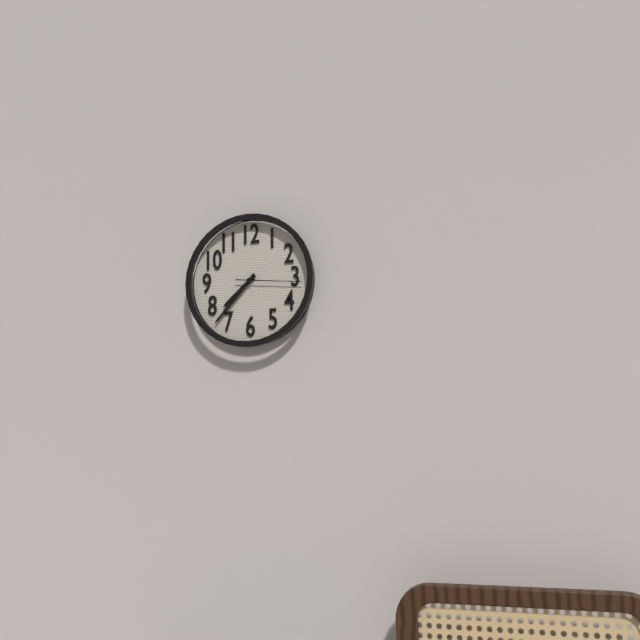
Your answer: 7.37.16
